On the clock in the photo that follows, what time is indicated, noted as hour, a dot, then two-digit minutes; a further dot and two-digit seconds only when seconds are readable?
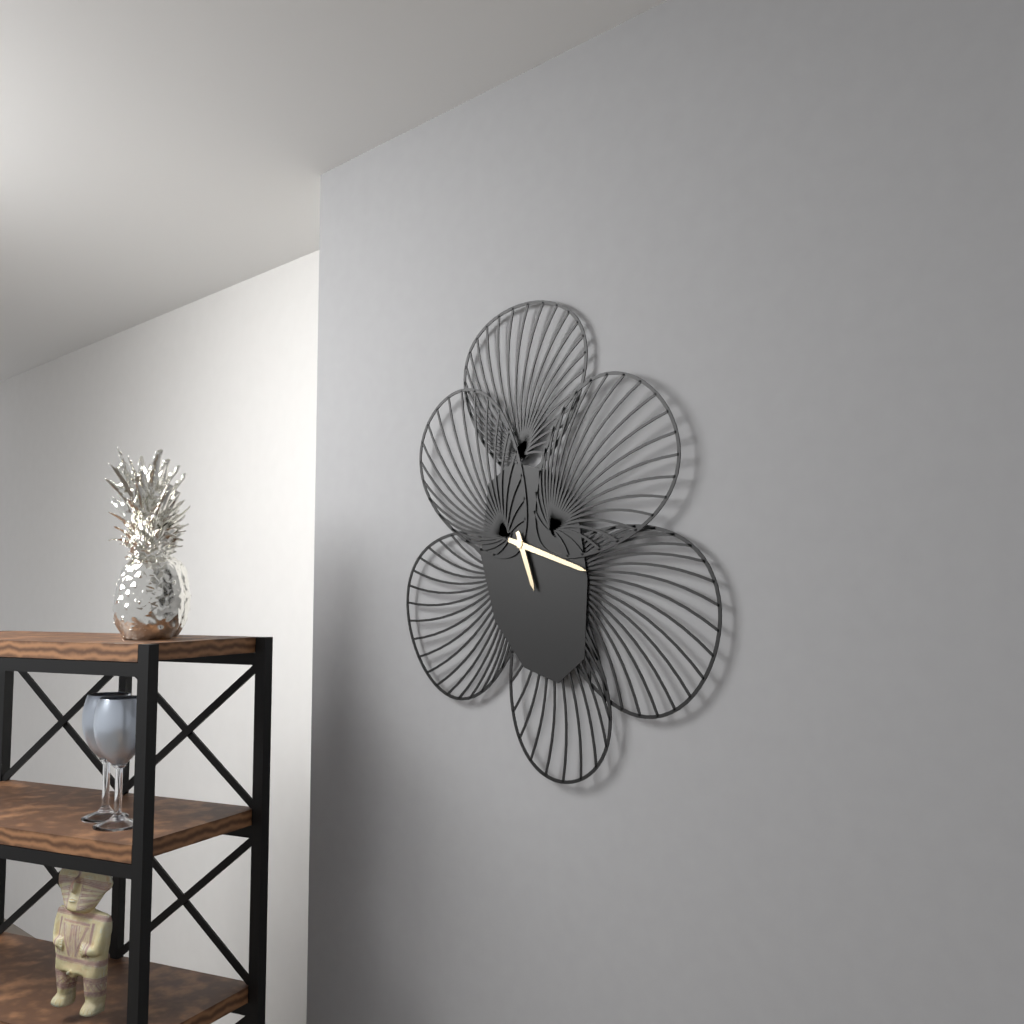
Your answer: 5.18
